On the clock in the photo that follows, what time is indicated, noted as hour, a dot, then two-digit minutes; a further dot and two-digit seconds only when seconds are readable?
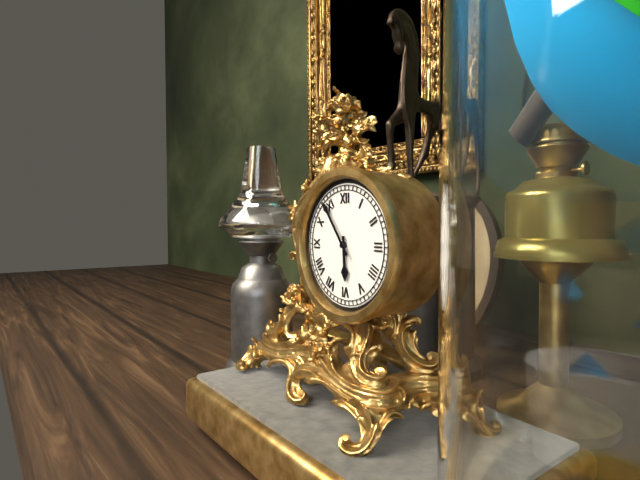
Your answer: 5.54
